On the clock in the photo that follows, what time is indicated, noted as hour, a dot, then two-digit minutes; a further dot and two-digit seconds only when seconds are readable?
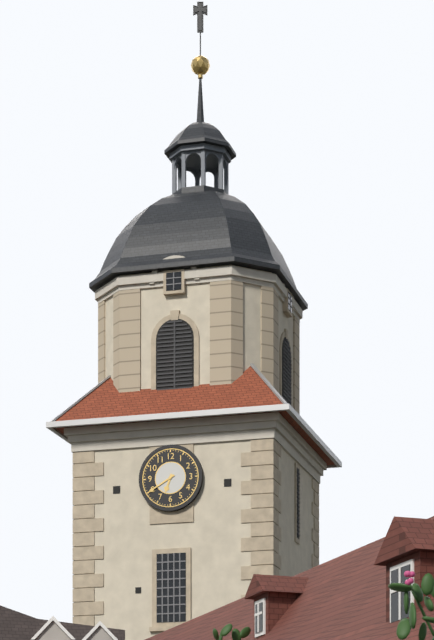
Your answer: 6.40
